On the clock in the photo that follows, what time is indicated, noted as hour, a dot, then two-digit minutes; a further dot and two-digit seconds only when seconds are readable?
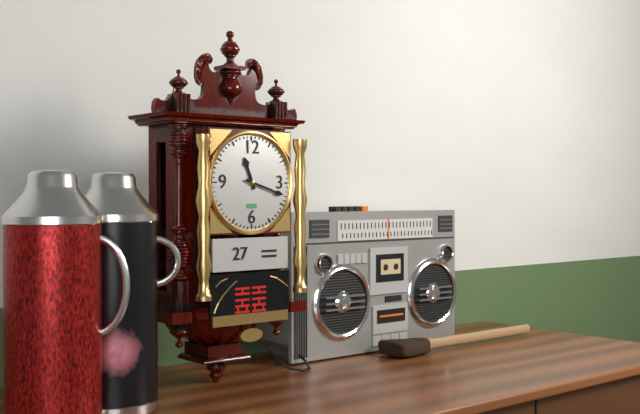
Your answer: 11.18
